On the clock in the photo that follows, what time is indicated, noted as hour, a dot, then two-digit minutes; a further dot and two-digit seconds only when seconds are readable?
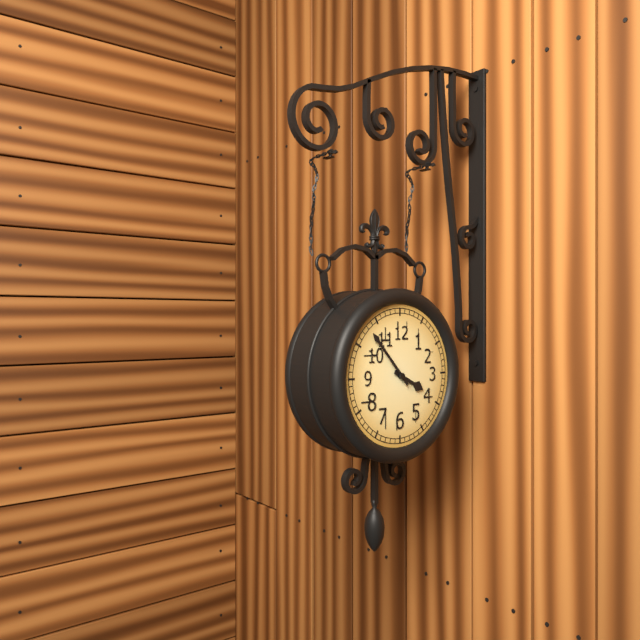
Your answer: 3.53
